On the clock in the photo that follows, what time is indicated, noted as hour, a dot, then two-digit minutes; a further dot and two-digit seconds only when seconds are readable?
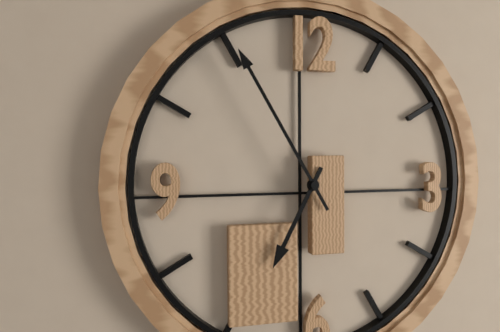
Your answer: 6.55
